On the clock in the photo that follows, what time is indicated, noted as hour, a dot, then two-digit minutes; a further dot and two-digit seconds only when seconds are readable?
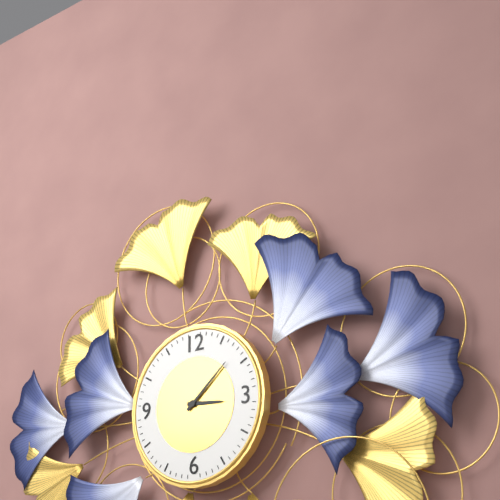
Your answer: 3.08
